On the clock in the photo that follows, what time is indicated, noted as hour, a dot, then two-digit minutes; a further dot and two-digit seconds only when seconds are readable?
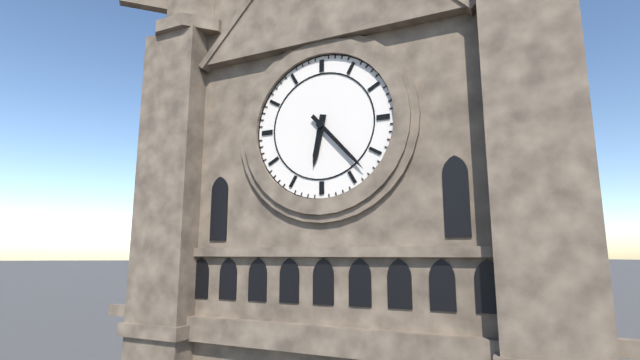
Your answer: 6.23
